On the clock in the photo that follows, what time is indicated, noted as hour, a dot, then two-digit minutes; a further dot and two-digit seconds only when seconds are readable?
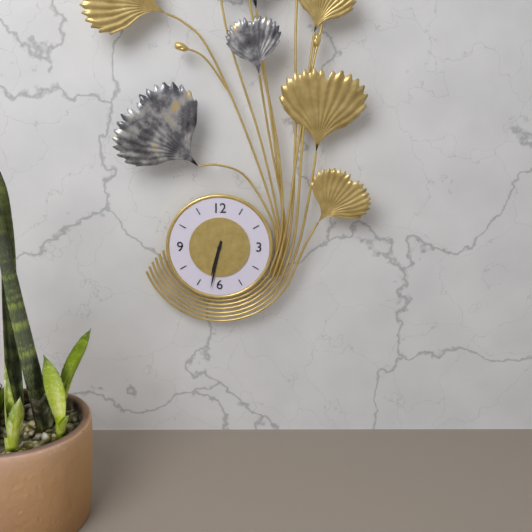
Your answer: 6.32
